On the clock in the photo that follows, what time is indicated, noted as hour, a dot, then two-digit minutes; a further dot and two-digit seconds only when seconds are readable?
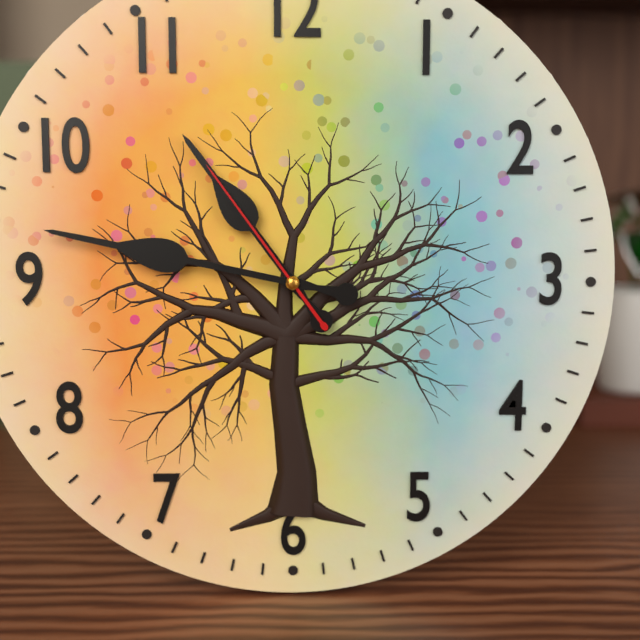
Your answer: 10.47.54
